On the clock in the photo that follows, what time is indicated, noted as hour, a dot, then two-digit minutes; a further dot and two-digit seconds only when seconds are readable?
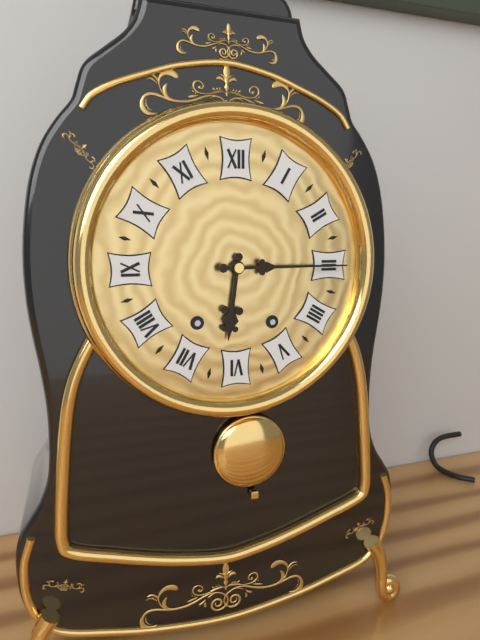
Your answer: 6.15
